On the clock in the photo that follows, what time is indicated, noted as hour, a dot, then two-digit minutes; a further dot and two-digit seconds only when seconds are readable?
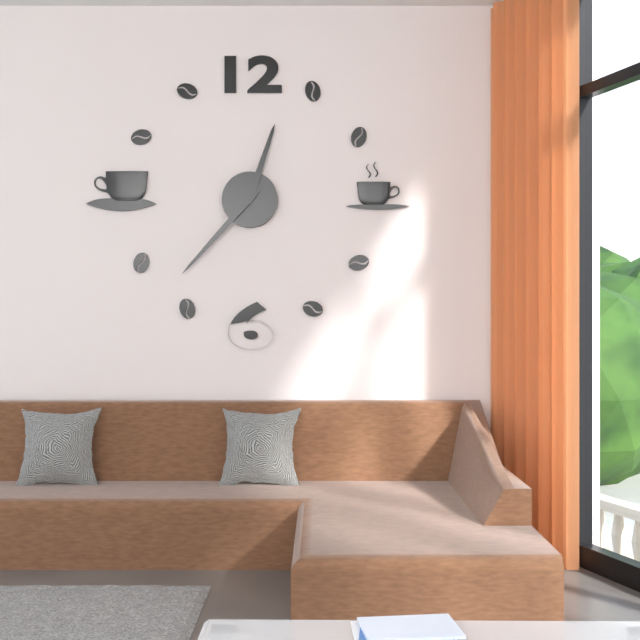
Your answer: 12.37
